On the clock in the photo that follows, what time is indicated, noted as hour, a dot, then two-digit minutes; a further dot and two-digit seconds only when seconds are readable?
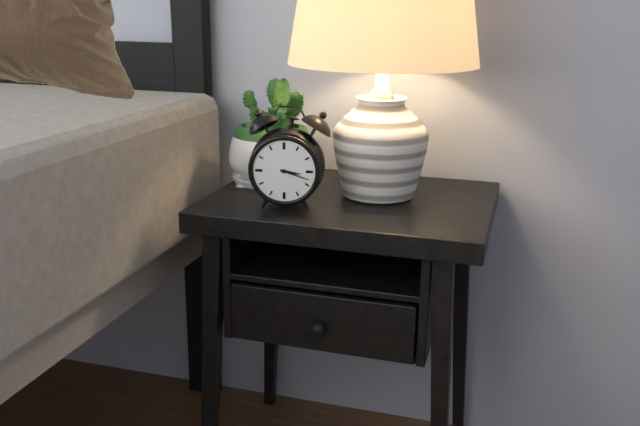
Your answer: 3.18
